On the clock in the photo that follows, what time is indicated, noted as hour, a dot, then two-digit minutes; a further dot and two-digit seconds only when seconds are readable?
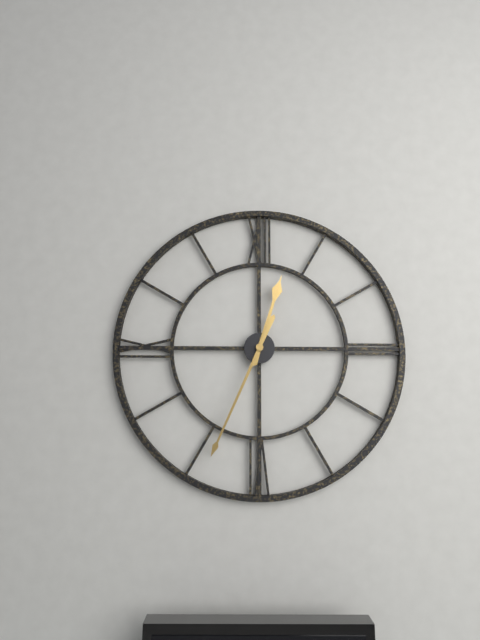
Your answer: 12.34
